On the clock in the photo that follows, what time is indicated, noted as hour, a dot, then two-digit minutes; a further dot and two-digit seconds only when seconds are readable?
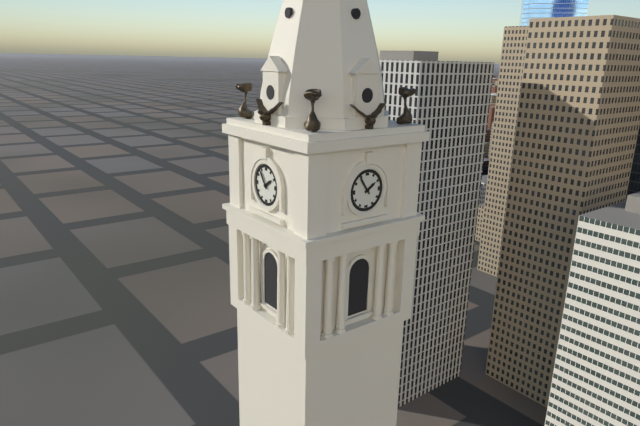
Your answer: 1.54
